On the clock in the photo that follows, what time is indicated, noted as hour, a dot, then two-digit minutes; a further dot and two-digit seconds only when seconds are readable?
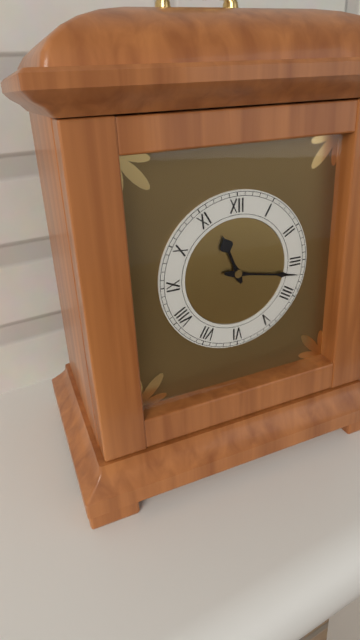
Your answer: 11.17
